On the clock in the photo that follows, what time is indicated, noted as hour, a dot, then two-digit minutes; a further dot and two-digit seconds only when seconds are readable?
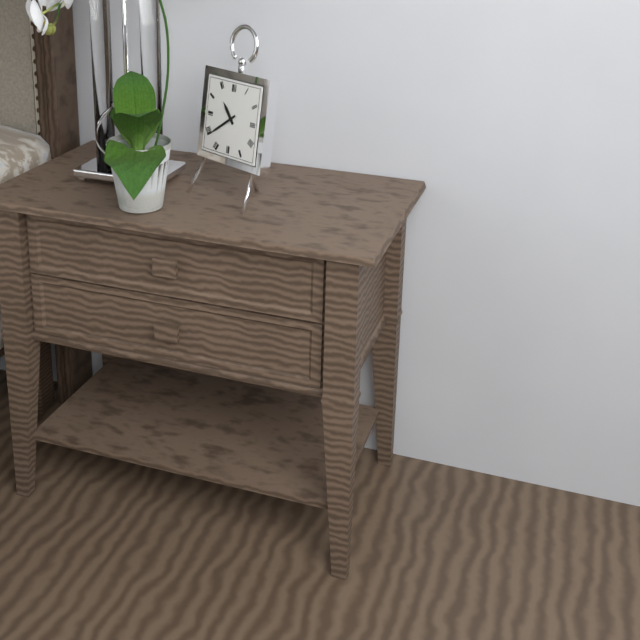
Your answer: 10.39
